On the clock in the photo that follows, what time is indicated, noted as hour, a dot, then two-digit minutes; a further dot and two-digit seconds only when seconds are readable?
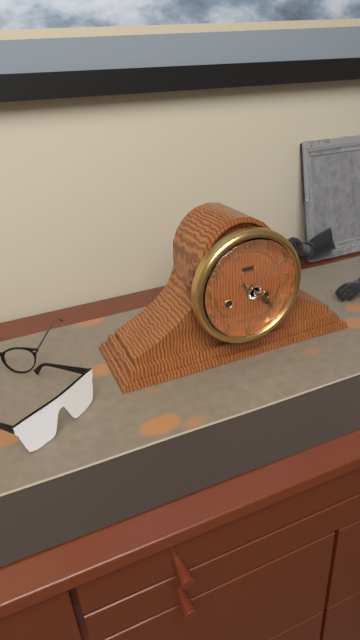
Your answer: 4.22
